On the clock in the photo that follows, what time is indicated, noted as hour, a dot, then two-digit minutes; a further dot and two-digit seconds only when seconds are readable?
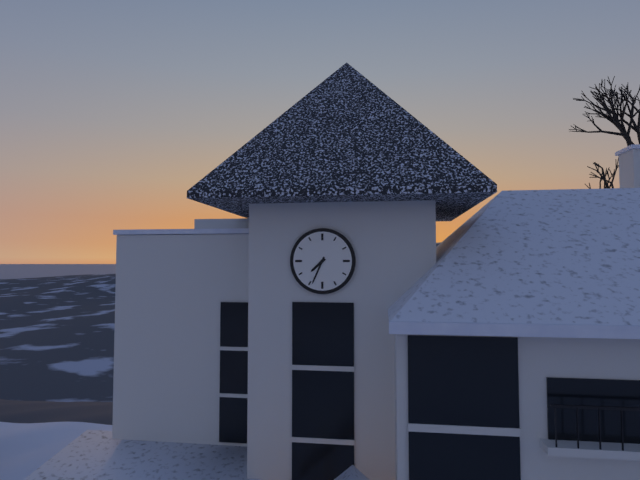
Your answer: 7.34
